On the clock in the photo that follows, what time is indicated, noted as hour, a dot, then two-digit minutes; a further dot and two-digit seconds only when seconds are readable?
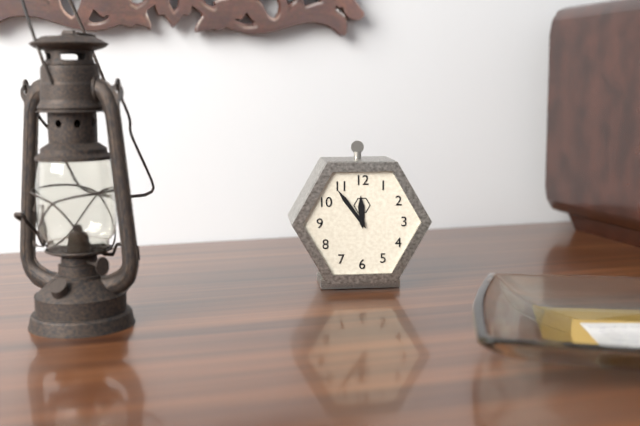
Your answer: 11.54
